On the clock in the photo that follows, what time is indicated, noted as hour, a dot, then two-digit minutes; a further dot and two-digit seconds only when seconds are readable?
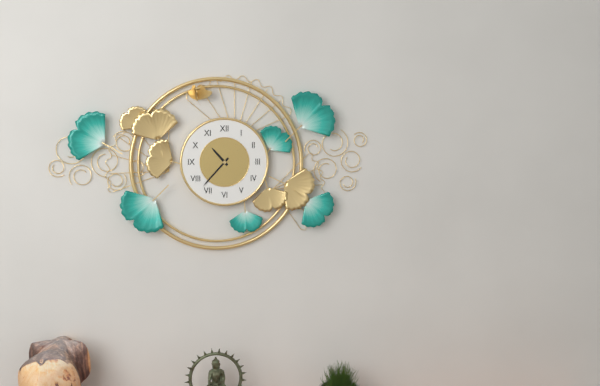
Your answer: 10.37
